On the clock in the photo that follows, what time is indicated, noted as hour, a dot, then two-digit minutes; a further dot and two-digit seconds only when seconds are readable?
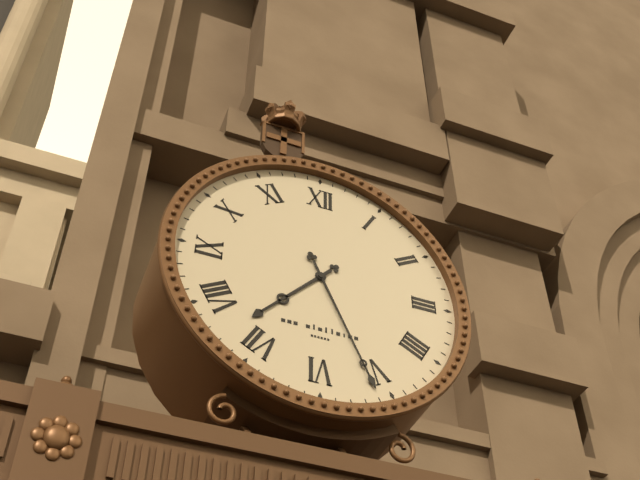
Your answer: 7.26
